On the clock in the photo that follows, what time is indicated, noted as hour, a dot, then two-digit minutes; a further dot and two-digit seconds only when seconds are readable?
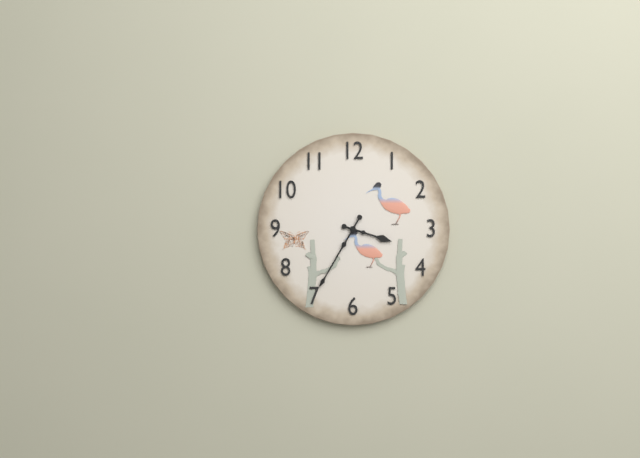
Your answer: 3.35
